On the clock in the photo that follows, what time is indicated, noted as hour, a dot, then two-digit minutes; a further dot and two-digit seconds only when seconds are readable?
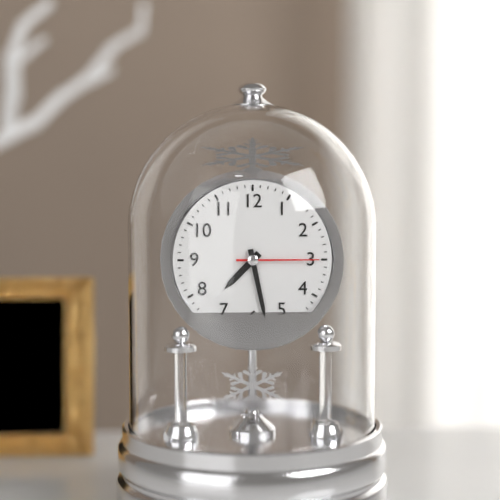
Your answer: 7.28.15
